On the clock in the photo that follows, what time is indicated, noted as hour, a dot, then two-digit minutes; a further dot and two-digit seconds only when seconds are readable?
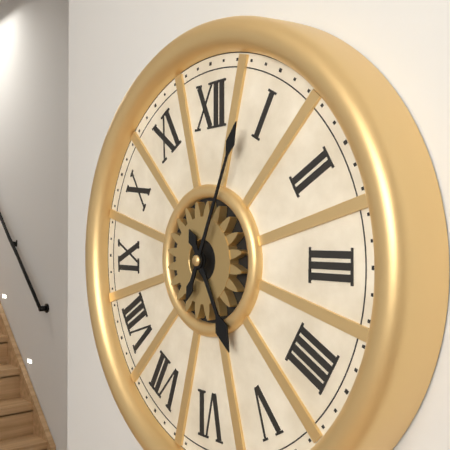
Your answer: 5.04
